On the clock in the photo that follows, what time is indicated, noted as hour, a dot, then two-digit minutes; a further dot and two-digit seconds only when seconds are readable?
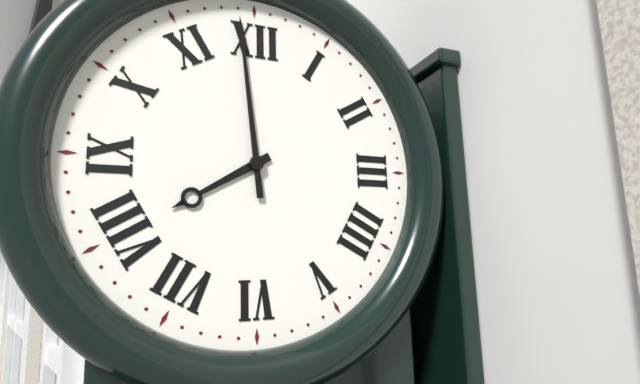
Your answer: 7.59
